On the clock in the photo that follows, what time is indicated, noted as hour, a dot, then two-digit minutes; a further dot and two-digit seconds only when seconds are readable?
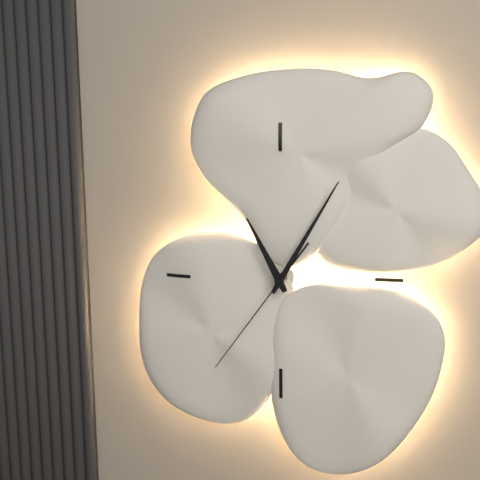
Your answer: 11.05.36
